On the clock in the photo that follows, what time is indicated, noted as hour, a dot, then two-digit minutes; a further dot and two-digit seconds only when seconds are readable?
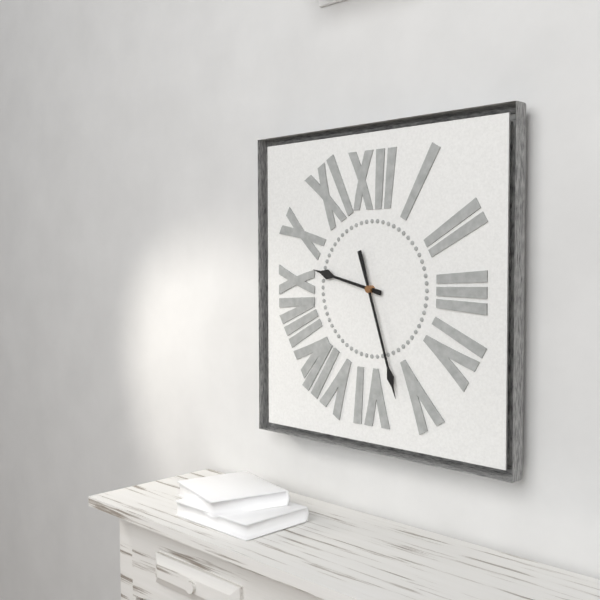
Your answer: 9.27
